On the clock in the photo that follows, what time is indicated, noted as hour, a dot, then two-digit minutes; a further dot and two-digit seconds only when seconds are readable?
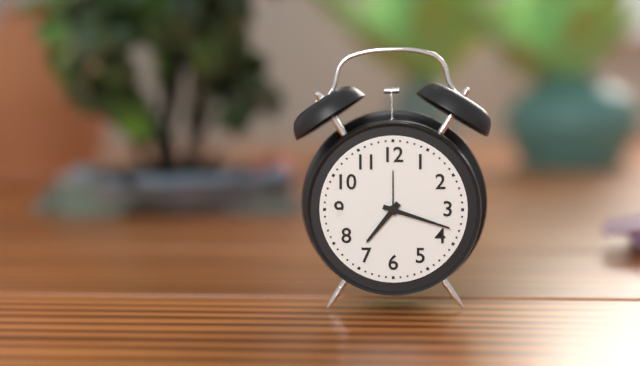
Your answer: 7.18
